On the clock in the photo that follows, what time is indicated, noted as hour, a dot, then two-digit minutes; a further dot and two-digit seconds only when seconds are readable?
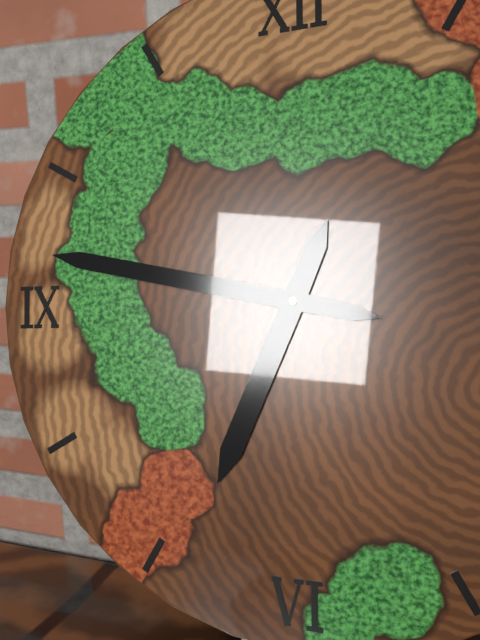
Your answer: 6.47
